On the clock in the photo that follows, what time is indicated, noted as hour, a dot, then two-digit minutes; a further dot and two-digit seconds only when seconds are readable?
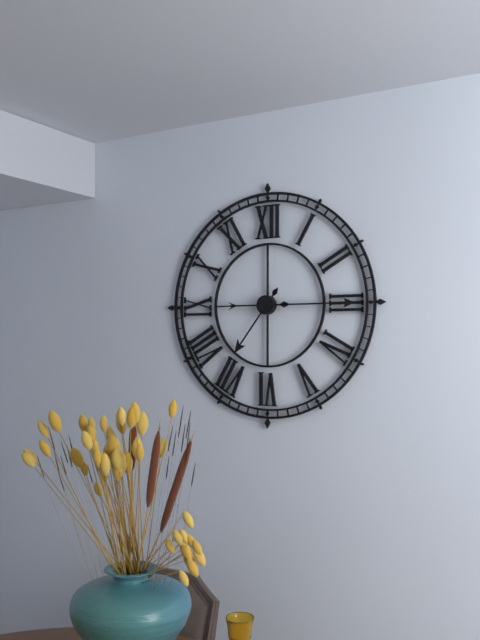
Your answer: 7.15
